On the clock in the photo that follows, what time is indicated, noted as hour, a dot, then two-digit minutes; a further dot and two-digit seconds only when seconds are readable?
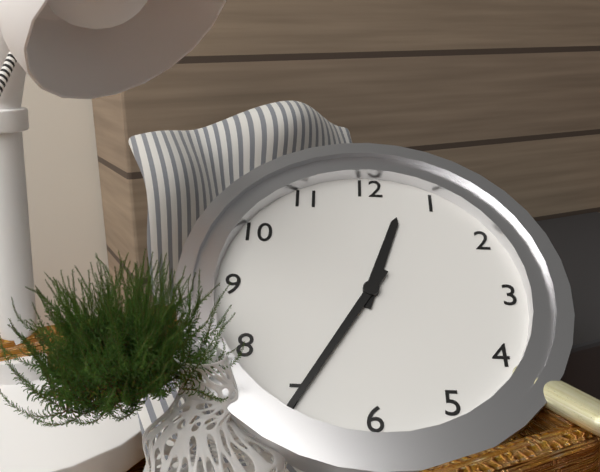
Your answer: 12.35
